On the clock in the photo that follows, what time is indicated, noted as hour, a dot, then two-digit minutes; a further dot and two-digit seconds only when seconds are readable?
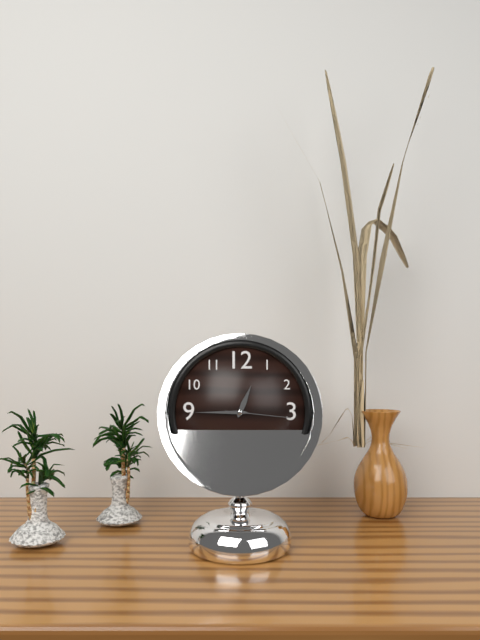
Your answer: 12.45.16
